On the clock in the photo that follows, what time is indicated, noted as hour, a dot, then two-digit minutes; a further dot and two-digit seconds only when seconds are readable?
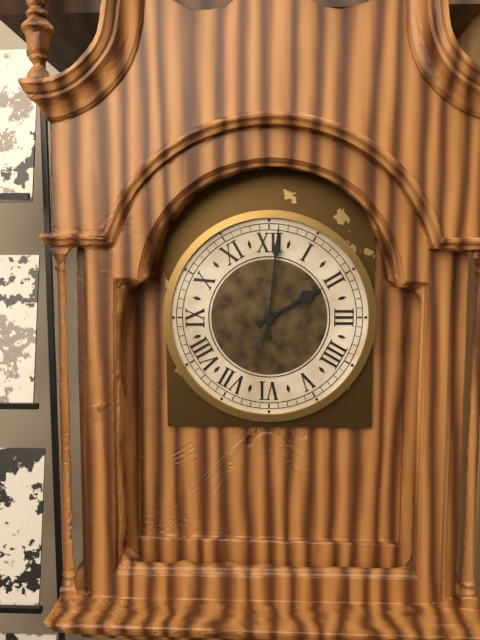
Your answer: 2.01
